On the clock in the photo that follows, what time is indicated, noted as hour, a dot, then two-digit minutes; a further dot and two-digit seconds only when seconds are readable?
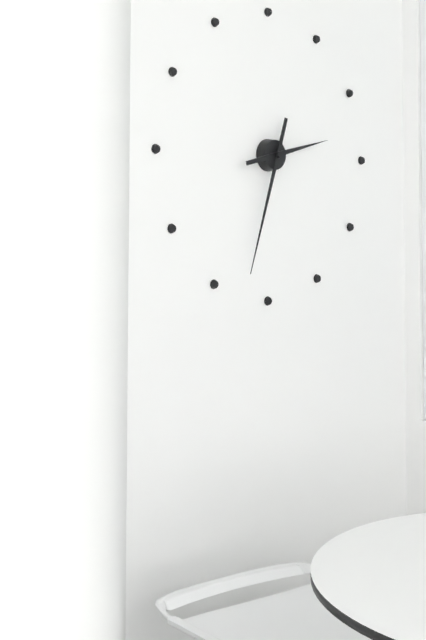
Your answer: 2.33
